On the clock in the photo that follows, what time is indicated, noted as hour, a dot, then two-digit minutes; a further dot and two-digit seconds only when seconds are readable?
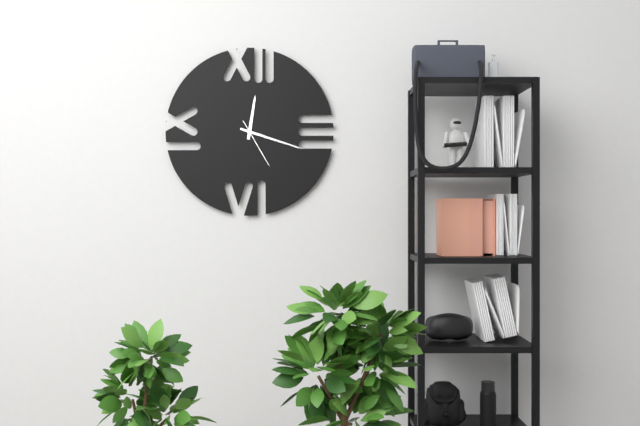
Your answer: 12.18
